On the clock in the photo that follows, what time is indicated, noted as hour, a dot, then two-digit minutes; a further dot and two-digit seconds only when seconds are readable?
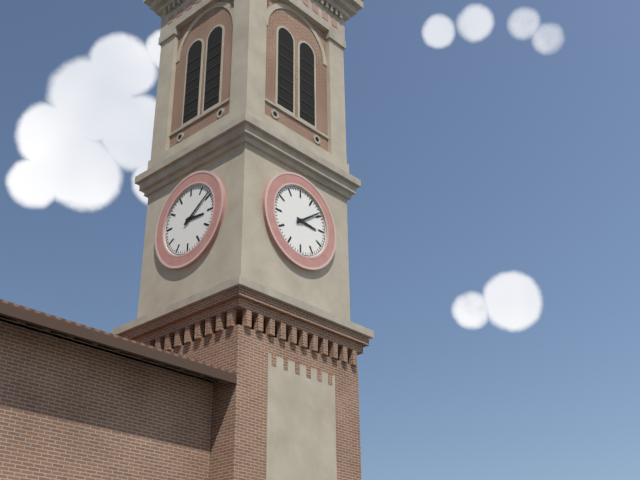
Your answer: 3.09
